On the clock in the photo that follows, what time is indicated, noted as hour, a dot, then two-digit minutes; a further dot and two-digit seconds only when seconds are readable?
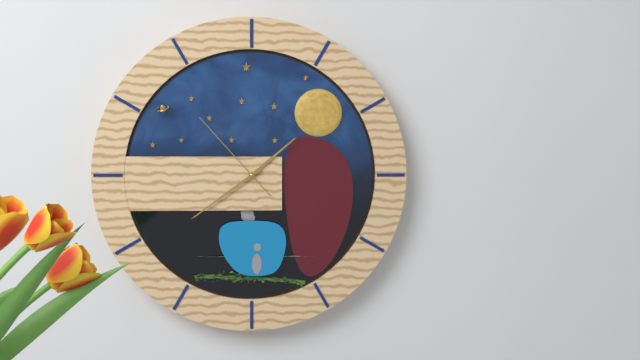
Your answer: 1.39.53
